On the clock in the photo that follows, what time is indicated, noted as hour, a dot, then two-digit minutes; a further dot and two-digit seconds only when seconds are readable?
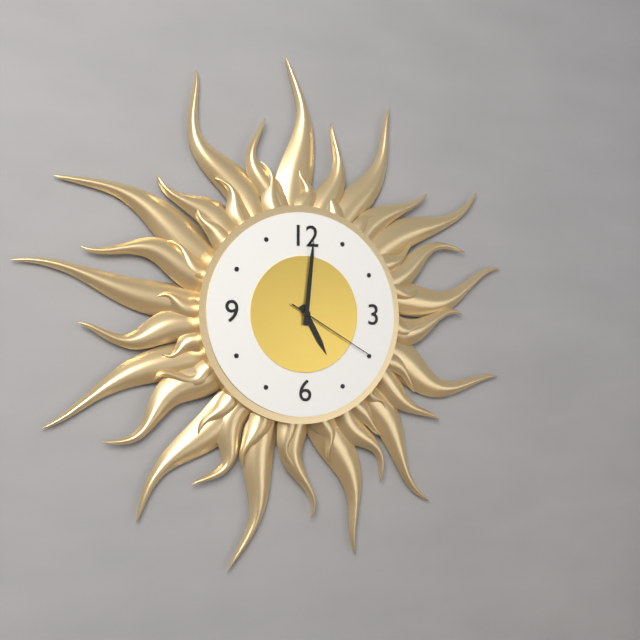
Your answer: 5.01.20
